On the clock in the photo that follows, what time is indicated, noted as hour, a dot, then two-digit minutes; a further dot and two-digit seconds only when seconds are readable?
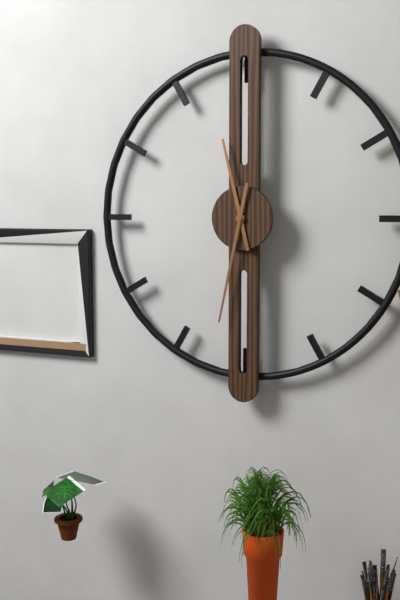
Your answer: 11.32
